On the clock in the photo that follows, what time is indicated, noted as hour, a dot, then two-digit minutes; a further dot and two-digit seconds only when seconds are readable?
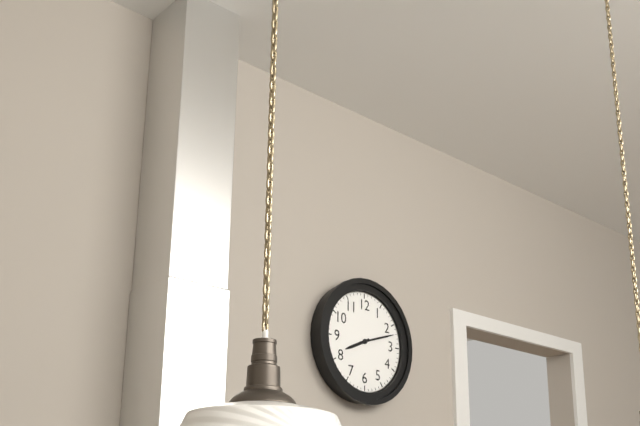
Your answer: 8.12
